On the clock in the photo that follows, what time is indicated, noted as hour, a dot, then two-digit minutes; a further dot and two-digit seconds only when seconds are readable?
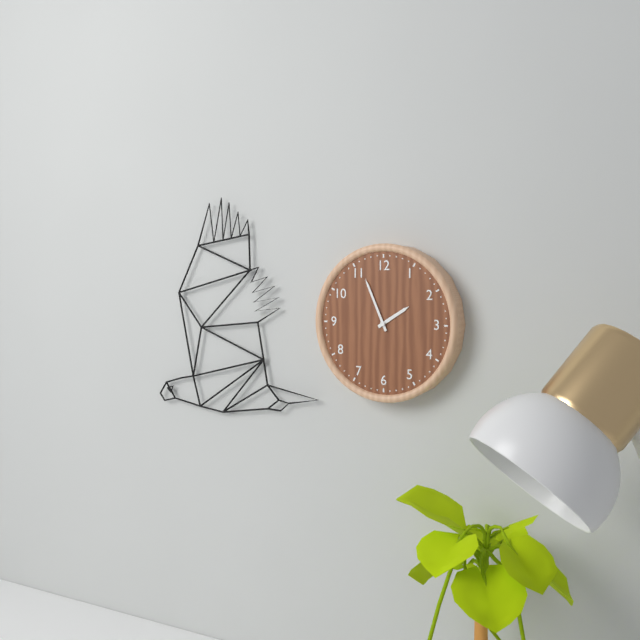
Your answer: 1.56
